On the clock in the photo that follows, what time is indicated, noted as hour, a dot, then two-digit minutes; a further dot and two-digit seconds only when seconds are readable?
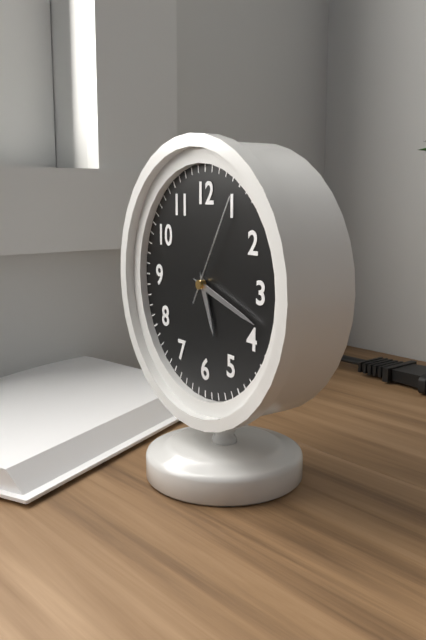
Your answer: 5.18.05
